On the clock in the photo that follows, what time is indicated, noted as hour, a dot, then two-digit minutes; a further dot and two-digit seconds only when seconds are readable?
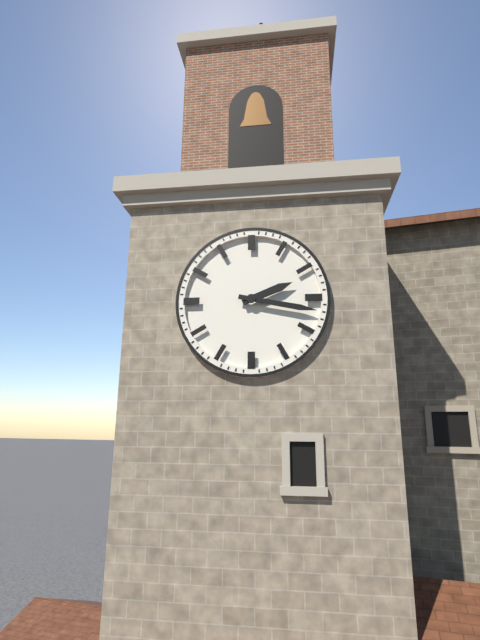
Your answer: 2.17
